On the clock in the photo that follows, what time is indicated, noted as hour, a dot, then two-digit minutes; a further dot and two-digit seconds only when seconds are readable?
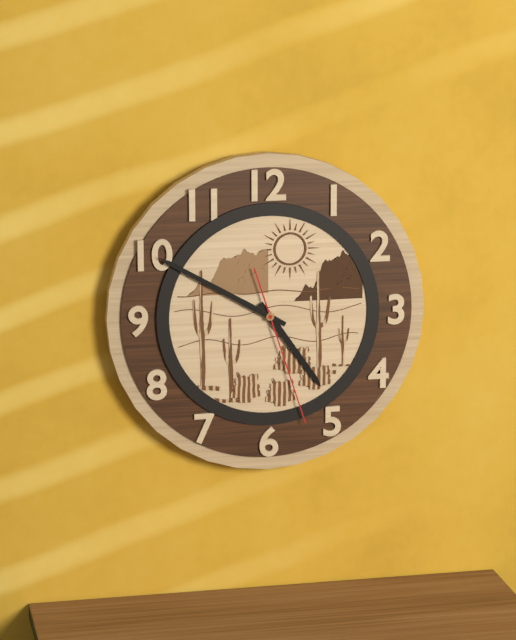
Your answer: 4.50.27
